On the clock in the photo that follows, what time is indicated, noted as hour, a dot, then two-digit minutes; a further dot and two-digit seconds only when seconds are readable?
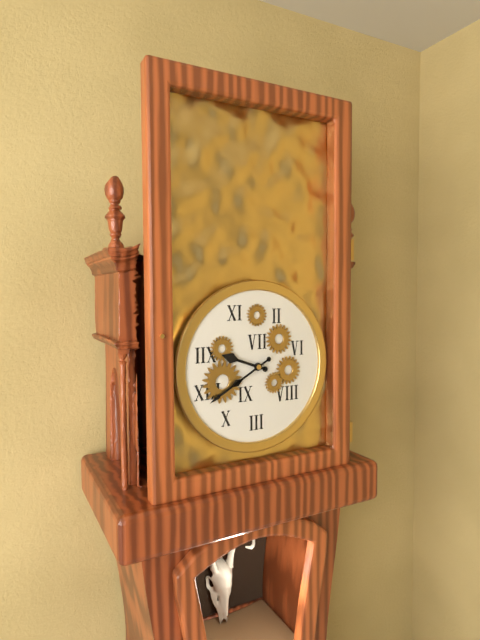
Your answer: 9.40
